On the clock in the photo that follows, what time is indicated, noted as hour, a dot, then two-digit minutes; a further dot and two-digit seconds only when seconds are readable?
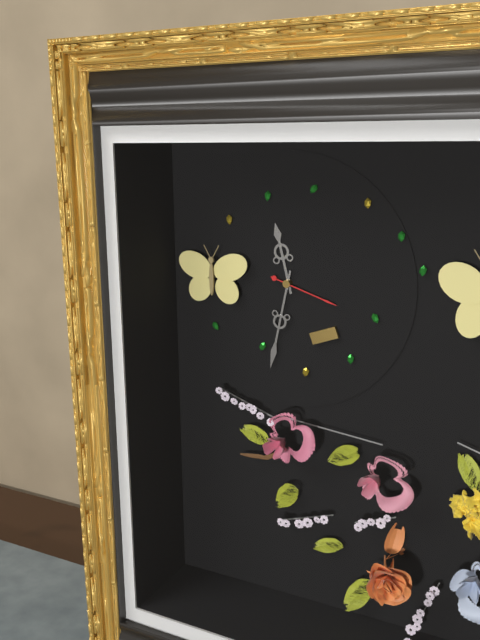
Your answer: 11.32.18
